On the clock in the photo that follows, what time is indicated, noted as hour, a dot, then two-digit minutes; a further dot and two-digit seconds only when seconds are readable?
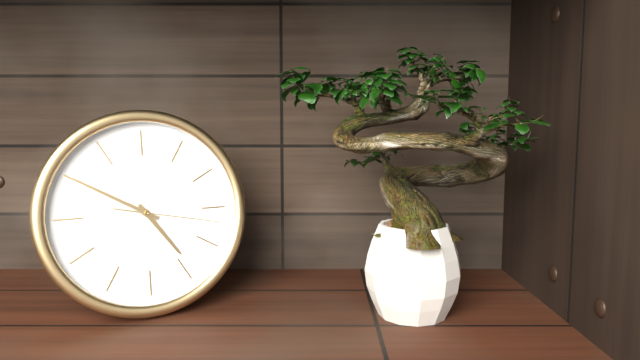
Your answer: 4.50.17
